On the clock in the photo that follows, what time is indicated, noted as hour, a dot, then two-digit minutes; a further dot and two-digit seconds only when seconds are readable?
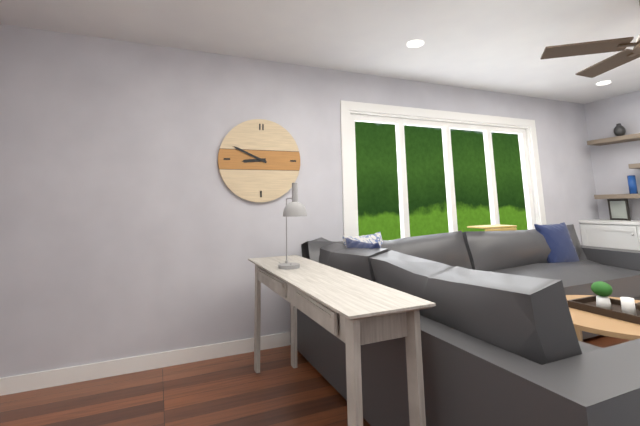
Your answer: 8.49
